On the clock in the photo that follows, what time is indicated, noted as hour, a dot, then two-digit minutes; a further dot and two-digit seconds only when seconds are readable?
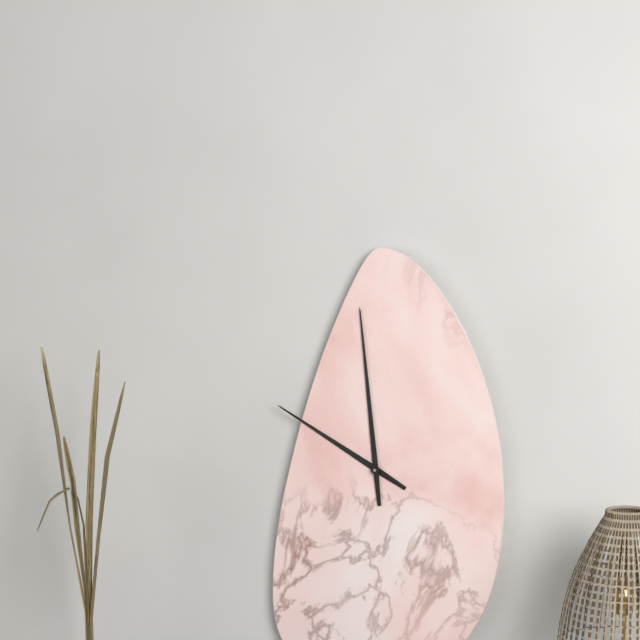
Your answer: 9.59
